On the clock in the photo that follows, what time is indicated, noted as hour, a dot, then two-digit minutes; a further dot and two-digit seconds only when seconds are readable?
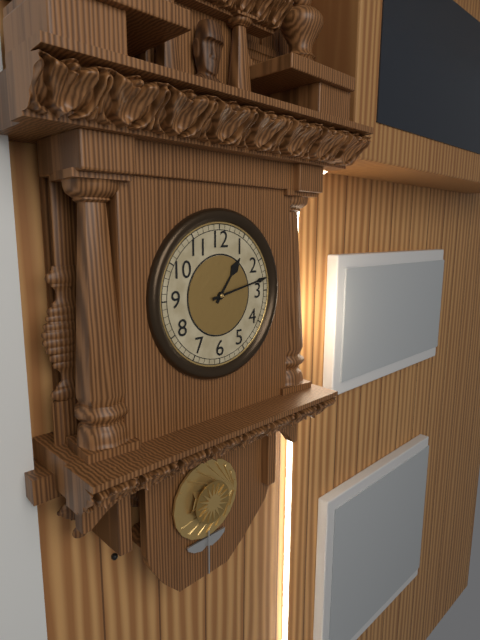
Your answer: 1.13
